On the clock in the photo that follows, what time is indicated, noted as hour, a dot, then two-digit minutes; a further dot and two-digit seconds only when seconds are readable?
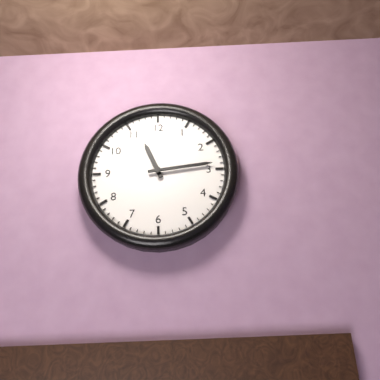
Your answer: 11.14
